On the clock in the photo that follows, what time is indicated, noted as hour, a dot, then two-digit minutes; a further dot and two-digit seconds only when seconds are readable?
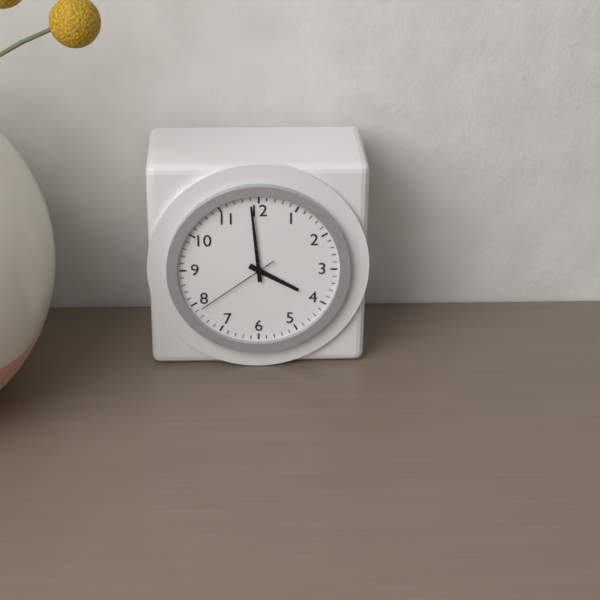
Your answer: 3.59.39
